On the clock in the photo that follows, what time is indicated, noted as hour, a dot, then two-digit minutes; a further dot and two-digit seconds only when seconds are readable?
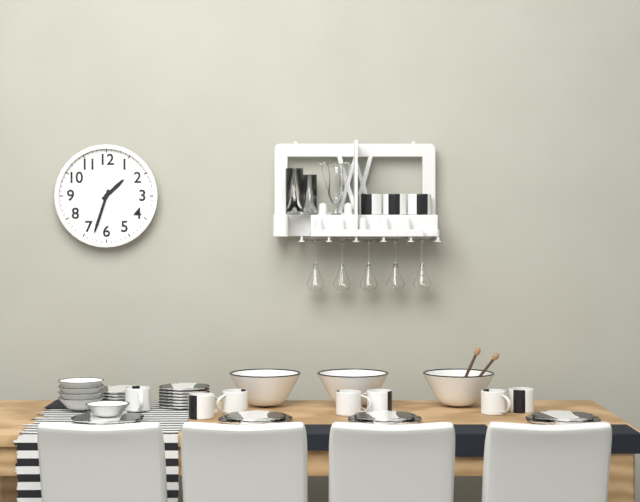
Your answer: 1.33
